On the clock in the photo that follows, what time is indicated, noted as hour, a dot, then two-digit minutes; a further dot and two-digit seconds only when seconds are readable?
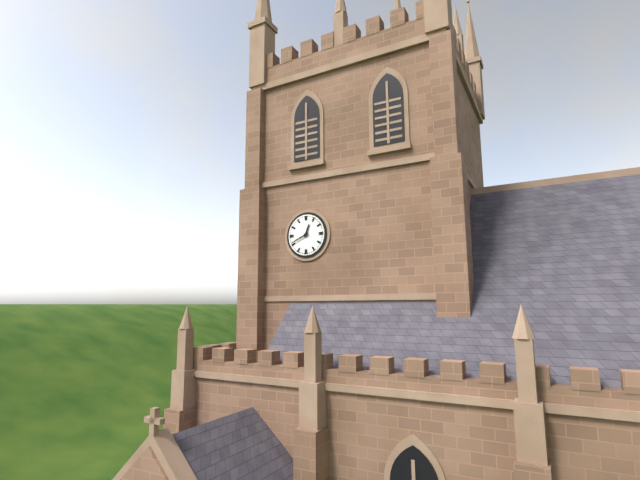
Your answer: 12.41
